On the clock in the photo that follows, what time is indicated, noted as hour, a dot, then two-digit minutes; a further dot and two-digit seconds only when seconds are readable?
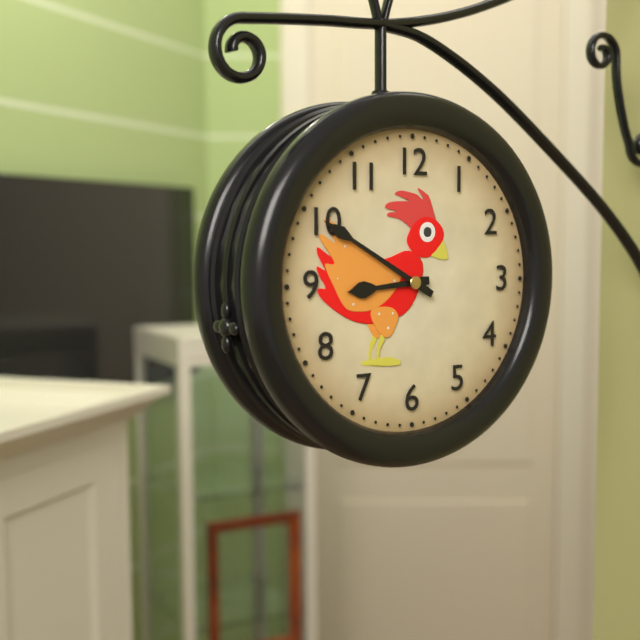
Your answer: 8.50
